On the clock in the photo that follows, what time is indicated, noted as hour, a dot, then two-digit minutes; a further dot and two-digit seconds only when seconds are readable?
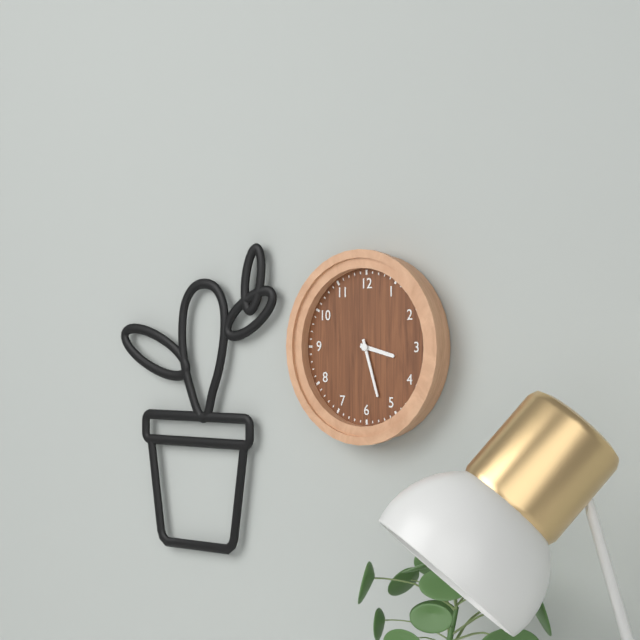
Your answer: 3.27
